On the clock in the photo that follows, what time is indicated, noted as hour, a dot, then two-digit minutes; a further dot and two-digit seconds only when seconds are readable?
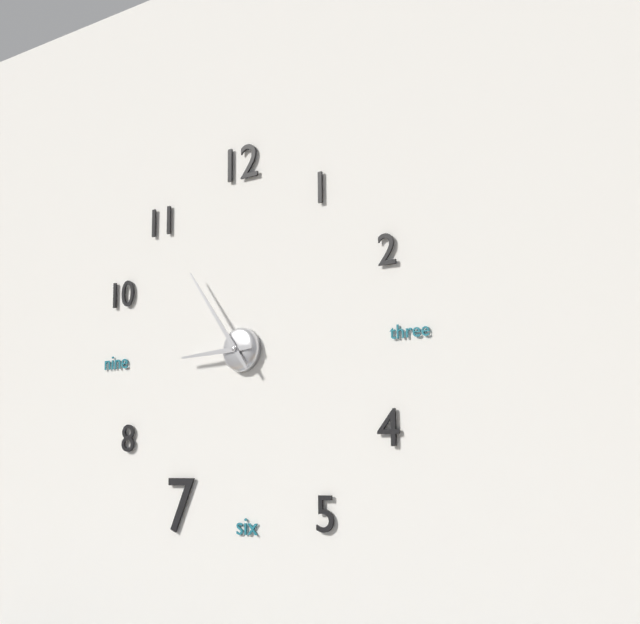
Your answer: 8.54
